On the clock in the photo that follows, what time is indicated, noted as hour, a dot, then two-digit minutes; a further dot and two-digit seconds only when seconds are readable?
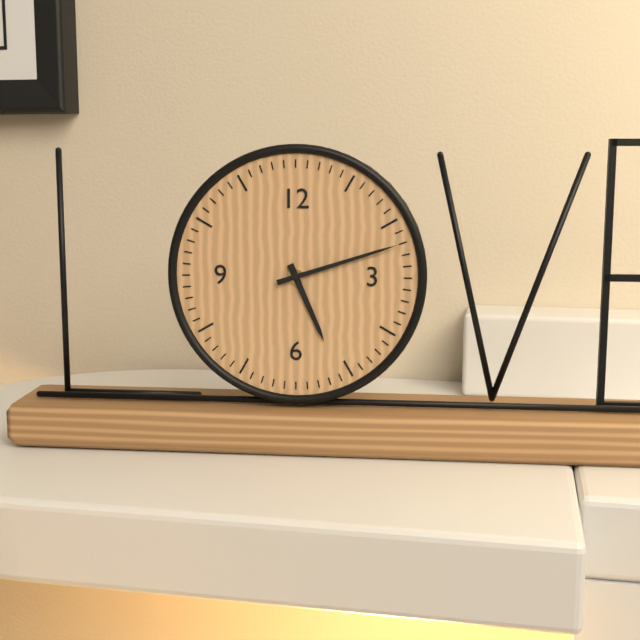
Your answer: 5.12
